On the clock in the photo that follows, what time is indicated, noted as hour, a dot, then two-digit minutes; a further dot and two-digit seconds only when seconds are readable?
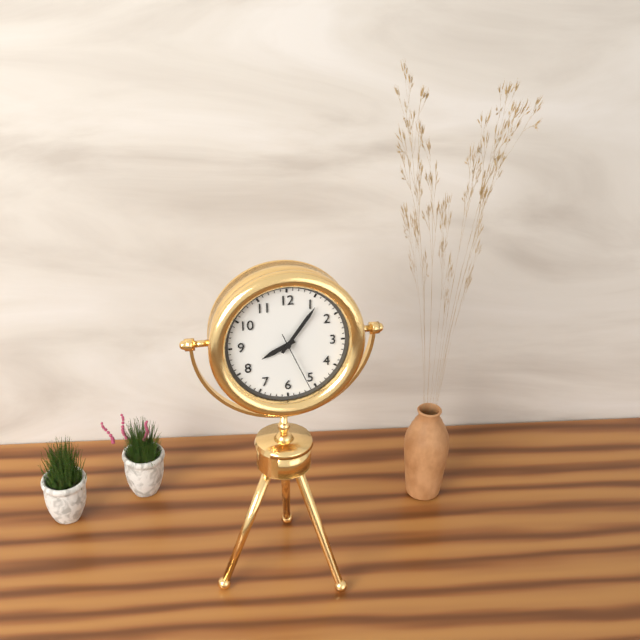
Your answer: 8.06.26
